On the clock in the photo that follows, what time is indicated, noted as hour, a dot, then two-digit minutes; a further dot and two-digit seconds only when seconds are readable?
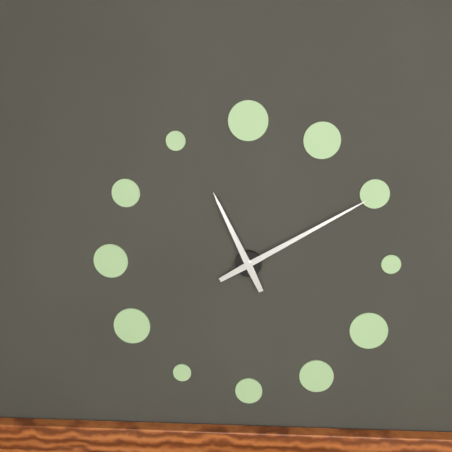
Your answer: 11.10
